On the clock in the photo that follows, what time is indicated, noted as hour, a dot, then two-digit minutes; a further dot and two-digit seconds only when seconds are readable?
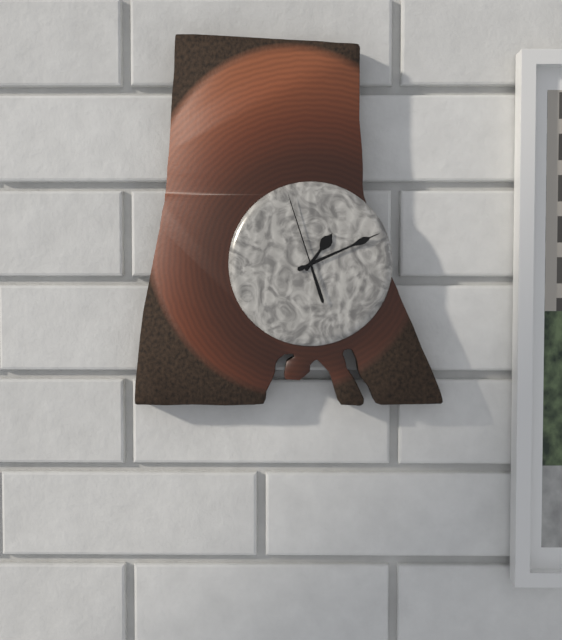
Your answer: 1.11.57
